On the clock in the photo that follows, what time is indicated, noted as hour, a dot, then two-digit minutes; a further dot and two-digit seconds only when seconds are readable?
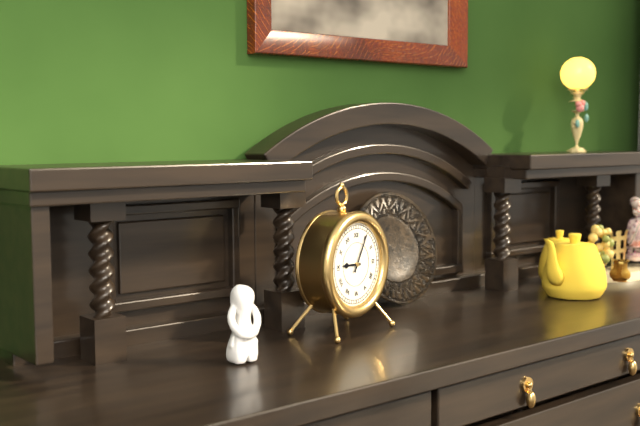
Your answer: 9.05
